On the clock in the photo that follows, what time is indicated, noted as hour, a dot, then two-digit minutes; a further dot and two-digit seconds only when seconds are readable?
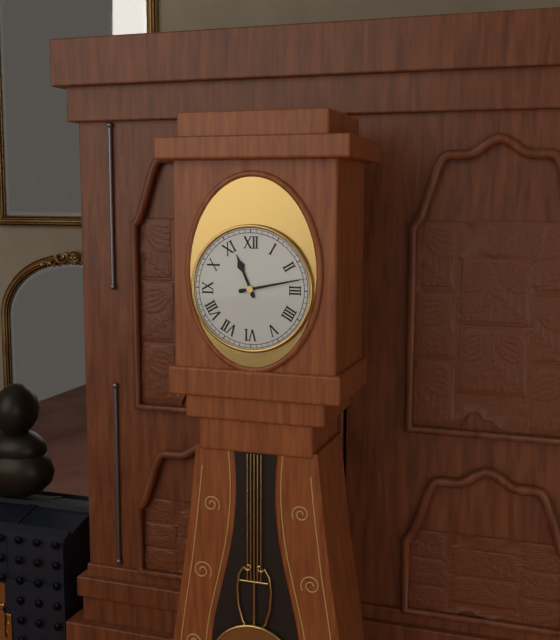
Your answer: 11.13
